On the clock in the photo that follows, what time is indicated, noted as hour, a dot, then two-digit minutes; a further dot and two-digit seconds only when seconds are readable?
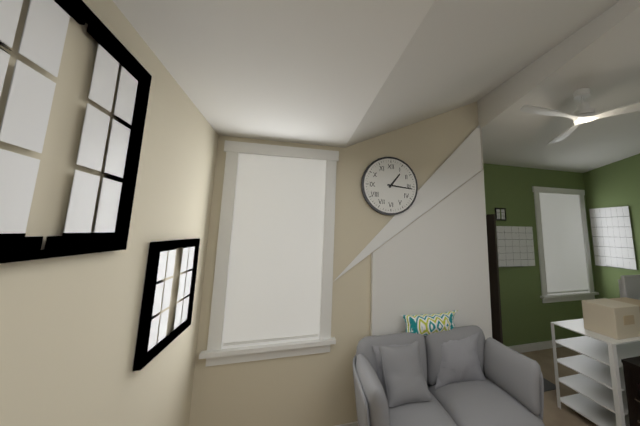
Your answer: 1.16
